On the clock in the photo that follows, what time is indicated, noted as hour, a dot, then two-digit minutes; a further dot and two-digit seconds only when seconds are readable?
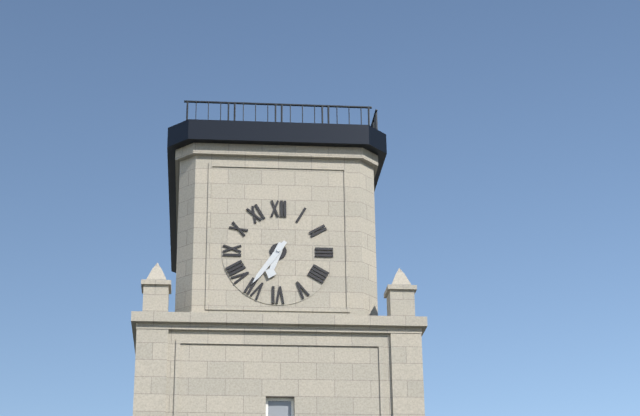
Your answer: 6.36
